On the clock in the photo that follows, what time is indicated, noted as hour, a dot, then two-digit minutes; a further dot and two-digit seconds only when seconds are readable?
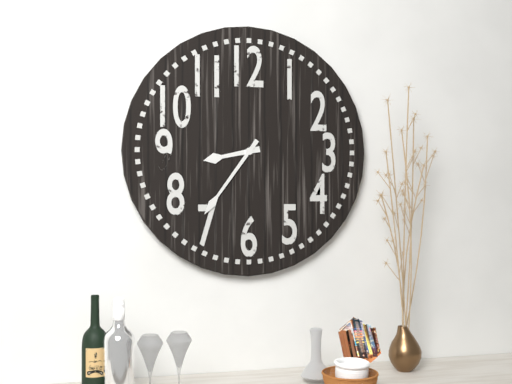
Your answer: 8.36
